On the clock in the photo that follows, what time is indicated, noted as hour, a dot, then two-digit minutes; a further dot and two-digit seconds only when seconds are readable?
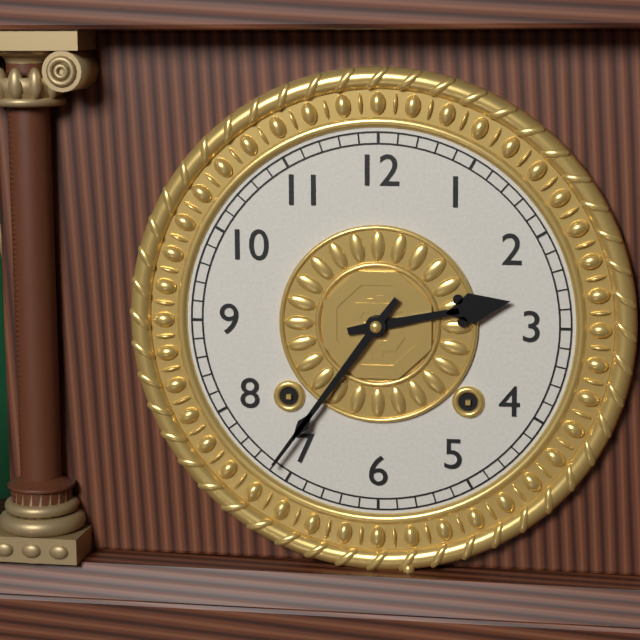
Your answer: 2.36
